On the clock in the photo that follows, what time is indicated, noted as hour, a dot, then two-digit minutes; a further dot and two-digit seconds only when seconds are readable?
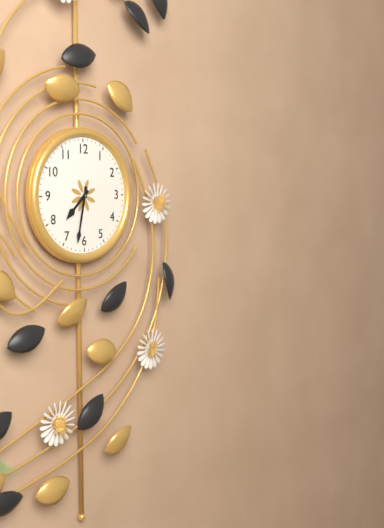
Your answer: 7.32
